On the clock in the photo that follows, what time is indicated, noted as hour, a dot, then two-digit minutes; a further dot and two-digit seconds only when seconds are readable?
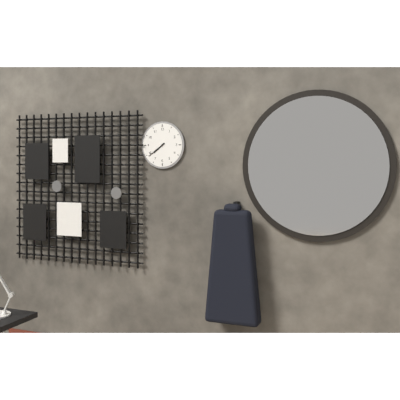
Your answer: 7.39
